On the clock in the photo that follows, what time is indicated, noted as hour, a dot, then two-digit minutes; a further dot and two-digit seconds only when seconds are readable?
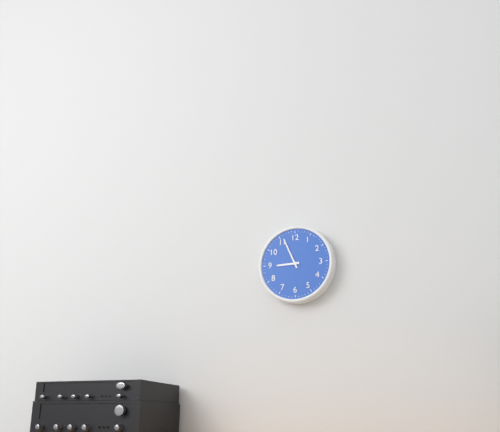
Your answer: 8.56
